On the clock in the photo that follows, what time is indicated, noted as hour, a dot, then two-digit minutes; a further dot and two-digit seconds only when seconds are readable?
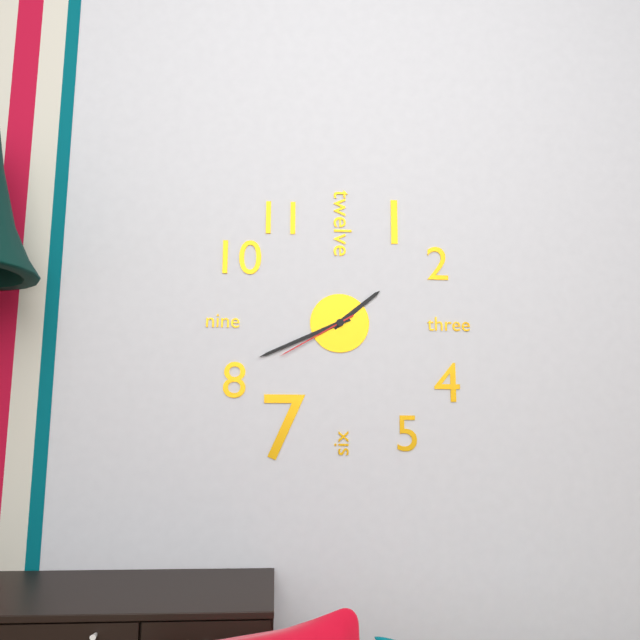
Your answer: 1.41.40
